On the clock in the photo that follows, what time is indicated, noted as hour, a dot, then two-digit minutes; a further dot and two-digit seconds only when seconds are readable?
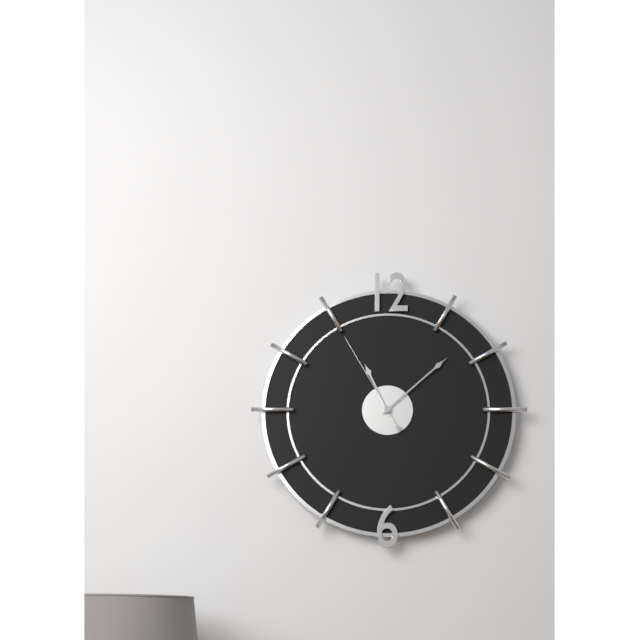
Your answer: 11.08.55
